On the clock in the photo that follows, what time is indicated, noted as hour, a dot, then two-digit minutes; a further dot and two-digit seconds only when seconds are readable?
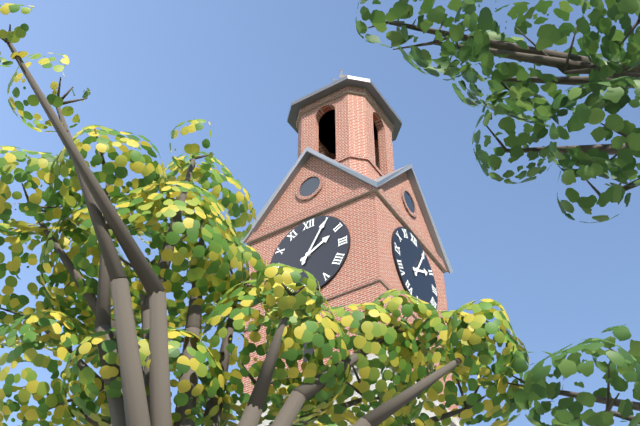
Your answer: 2.05
